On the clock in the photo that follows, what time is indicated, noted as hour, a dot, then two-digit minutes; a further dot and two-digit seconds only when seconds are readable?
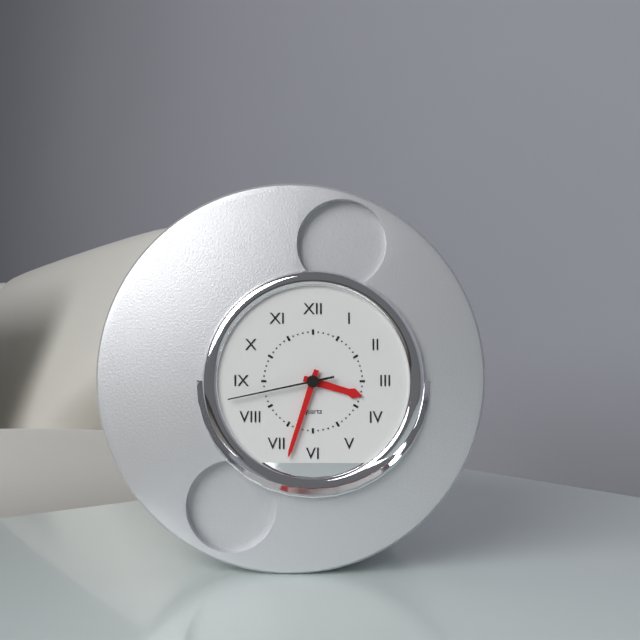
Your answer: 3.33.43
